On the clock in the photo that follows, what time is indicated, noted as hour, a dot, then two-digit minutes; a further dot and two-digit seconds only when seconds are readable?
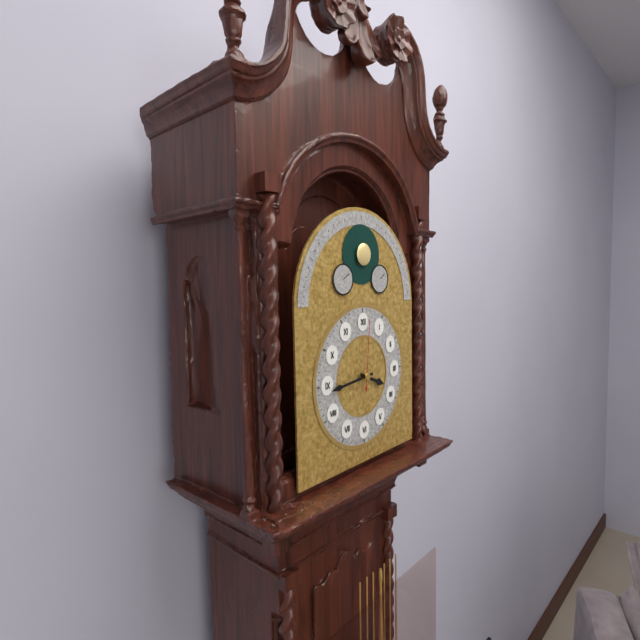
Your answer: 3.44.01
